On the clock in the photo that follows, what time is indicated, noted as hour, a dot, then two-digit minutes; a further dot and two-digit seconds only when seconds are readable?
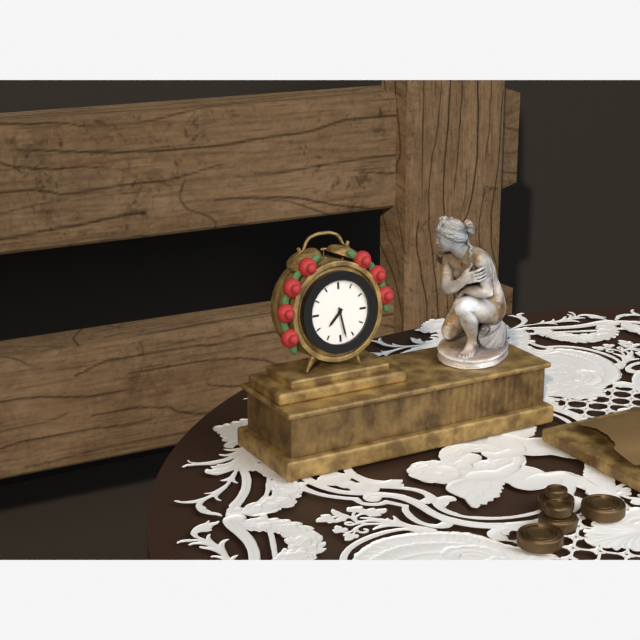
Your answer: 7.28
